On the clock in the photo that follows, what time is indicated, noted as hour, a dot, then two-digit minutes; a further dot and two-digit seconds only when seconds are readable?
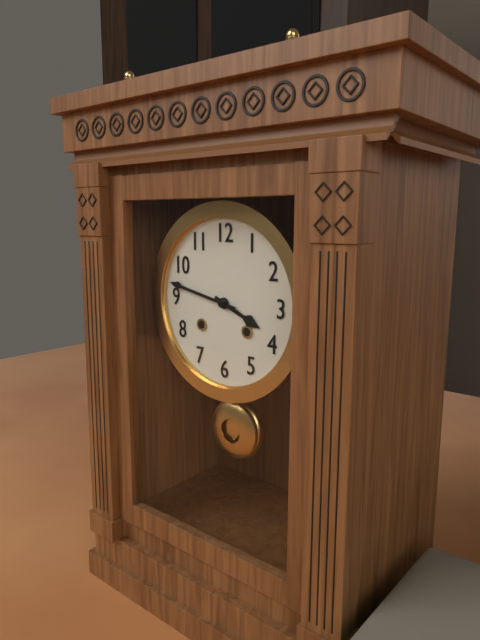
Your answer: 3.47
